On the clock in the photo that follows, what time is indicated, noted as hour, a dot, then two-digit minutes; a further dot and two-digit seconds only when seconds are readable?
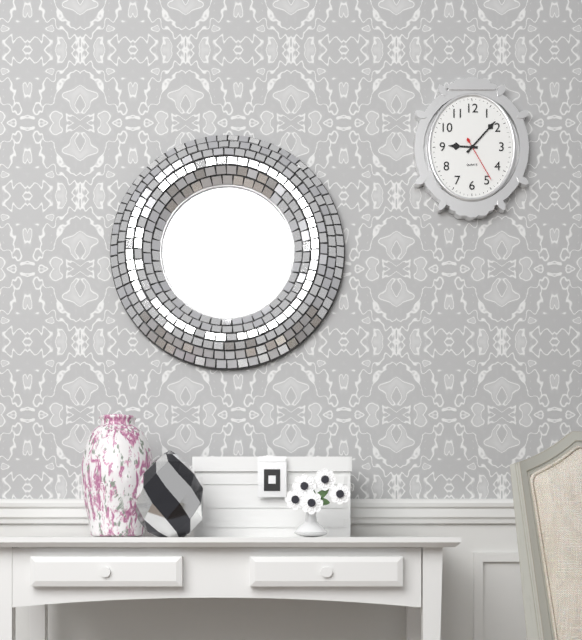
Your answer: 9.07
